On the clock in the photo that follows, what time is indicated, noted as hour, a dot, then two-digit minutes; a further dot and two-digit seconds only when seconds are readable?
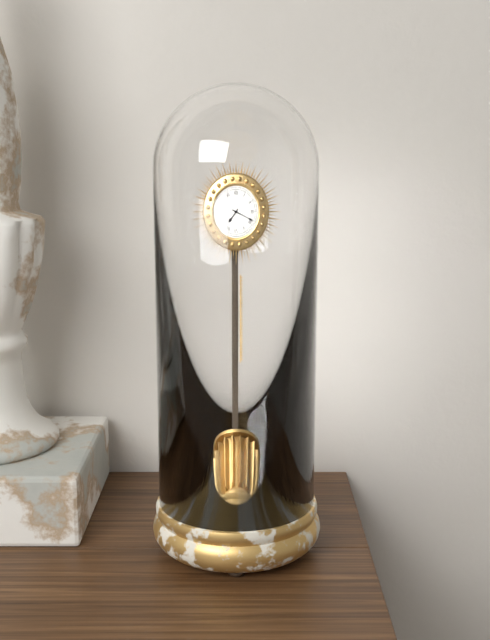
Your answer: 7.19
